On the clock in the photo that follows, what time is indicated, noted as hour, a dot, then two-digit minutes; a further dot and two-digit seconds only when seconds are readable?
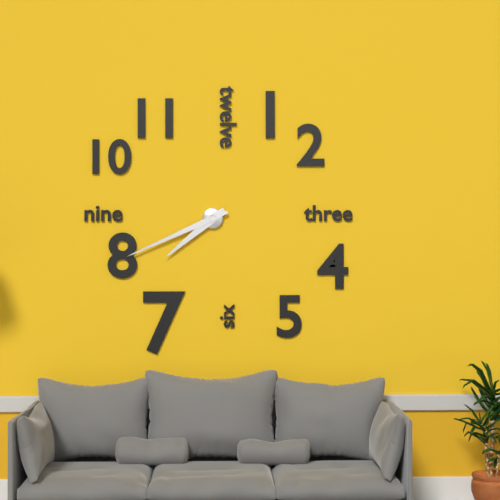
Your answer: 7.41
